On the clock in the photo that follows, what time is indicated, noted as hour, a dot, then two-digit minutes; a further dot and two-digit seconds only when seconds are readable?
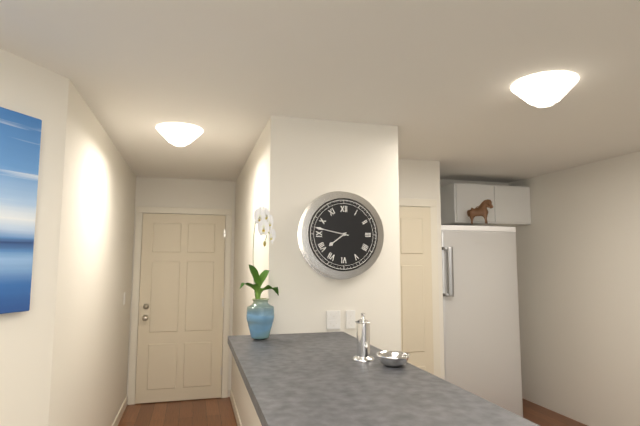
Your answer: 7.47
